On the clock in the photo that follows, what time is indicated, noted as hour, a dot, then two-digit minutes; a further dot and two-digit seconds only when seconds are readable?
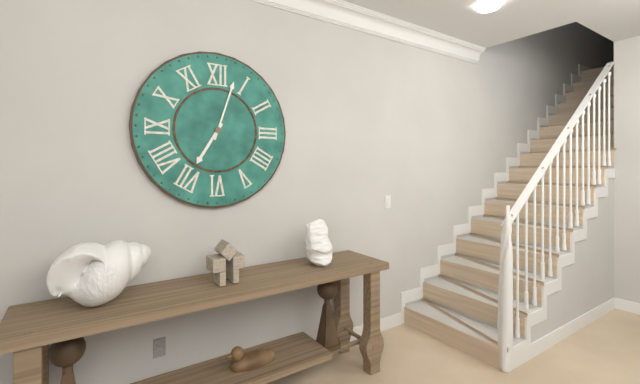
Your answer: 7.03
